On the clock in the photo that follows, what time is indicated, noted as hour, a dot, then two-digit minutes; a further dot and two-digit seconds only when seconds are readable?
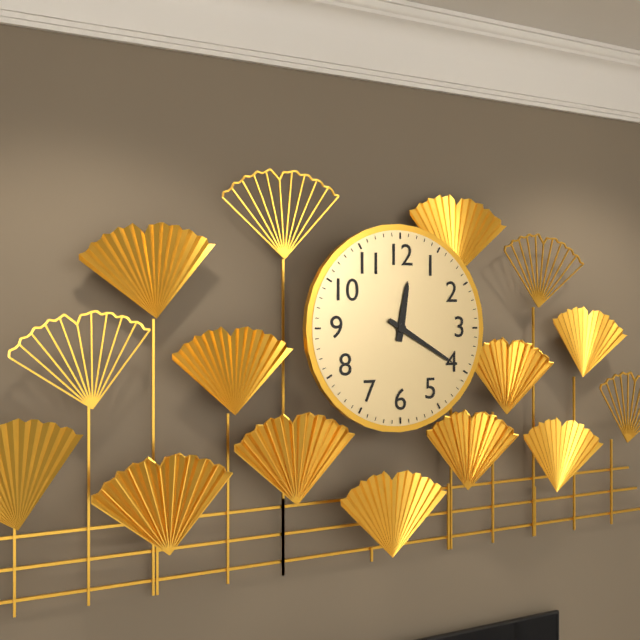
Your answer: 12.20
